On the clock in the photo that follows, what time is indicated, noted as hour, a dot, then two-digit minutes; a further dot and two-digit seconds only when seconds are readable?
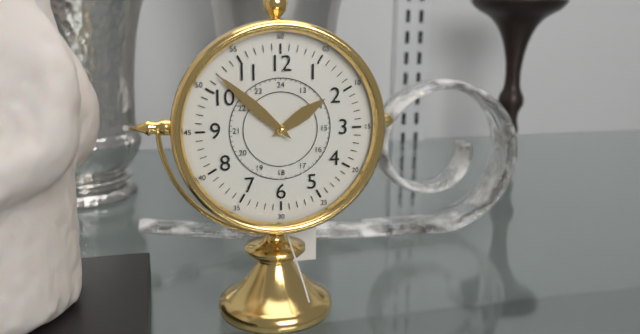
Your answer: 1.52
